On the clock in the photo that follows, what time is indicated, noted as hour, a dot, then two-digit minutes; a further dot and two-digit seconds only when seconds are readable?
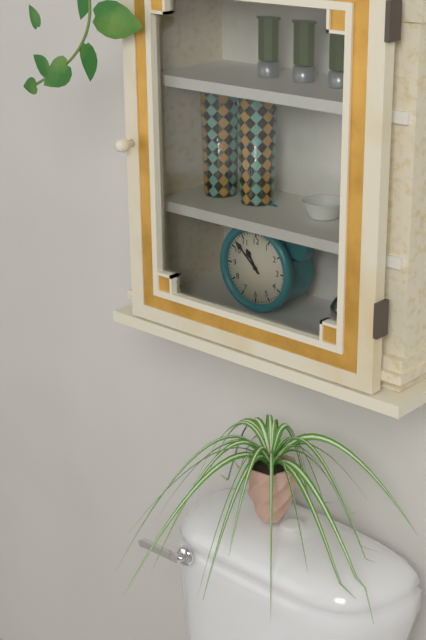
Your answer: 10.52
